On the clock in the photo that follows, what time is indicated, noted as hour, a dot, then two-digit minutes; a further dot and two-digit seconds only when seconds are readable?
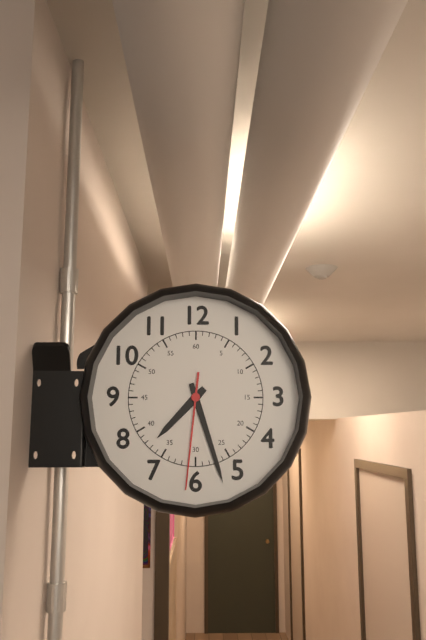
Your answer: 7.27.31
